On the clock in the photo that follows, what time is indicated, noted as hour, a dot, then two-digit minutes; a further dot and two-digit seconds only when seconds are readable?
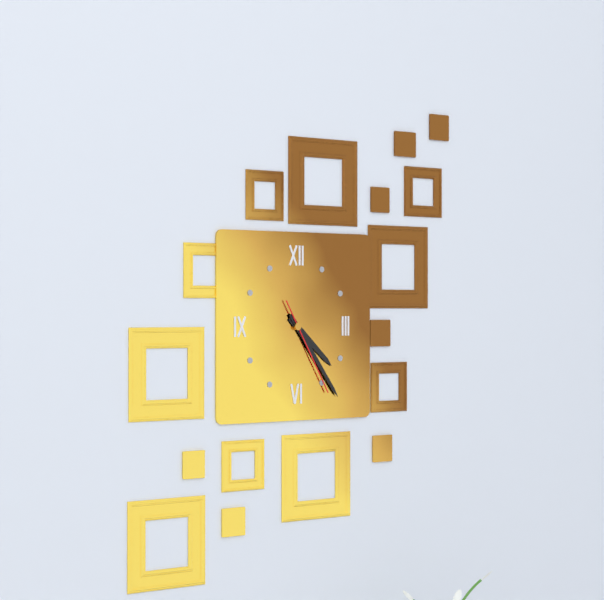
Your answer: 4.24.25
